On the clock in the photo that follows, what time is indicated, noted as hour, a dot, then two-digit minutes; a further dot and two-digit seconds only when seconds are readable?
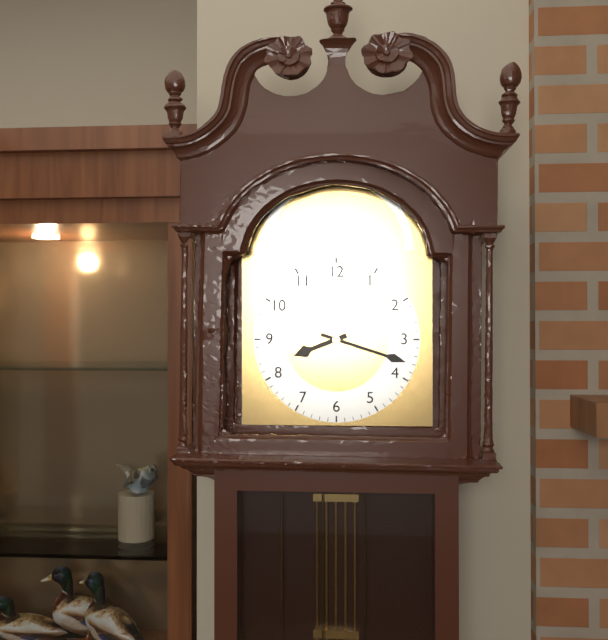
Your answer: 8.18
